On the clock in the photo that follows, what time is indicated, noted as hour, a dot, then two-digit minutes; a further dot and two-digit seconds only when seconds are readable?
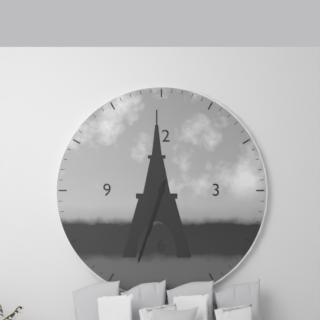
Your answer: 6.33
